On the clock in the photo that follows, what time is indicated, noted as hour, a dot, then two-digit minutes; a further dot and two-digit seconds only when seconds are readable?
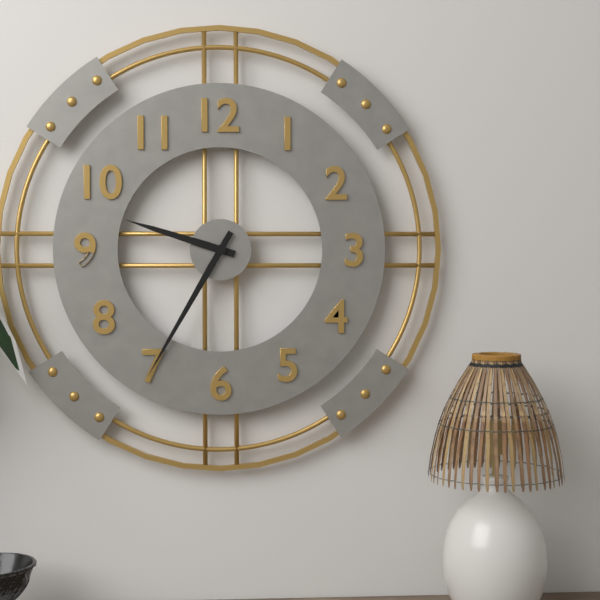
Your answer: 9.35
